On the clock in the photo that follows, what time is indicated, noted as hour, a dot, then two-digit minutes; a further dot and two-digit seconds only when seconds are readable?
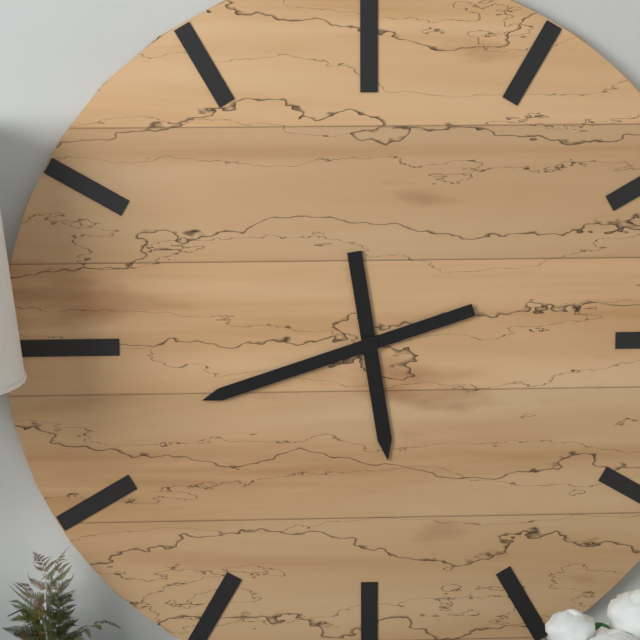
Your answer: 5.42
